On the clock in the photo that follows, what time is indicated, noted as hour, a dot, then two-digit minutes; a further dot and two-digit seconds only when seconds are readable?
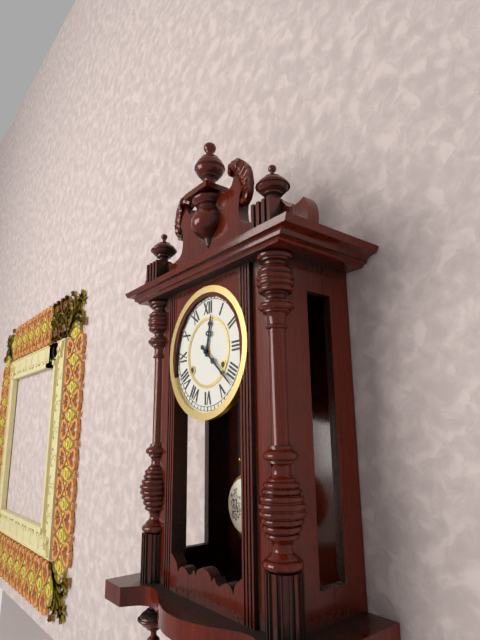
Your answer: 12.22
